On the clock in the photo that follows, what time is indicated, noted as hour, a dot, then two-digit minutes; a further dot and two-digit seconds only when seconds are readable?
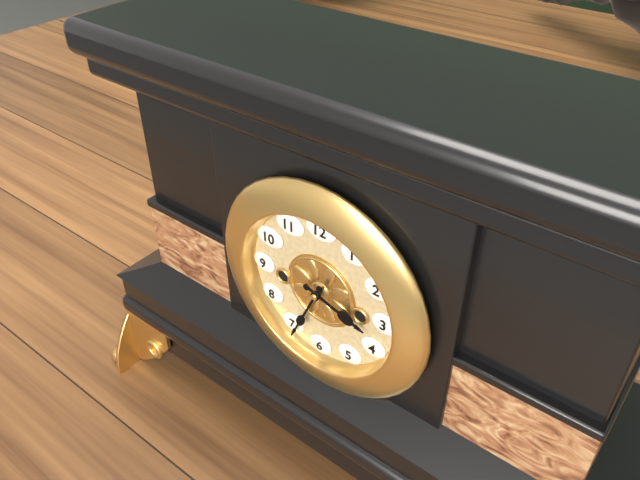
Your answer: 3.34
